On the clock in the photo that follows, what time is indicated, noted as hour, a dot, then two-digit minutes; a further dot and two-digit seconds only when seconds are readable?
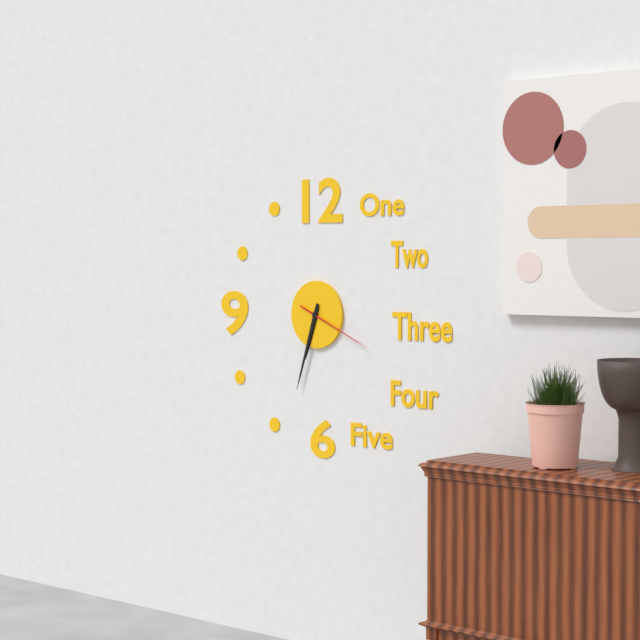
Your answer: 6.33.19
